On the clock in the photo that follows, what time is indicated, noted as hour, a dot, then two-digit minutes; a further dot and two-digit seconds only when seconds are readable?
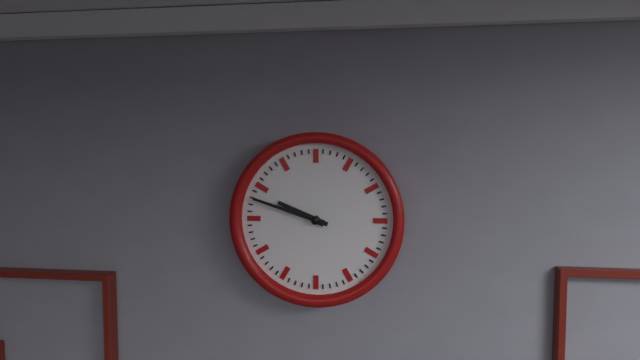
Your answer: 9.48
